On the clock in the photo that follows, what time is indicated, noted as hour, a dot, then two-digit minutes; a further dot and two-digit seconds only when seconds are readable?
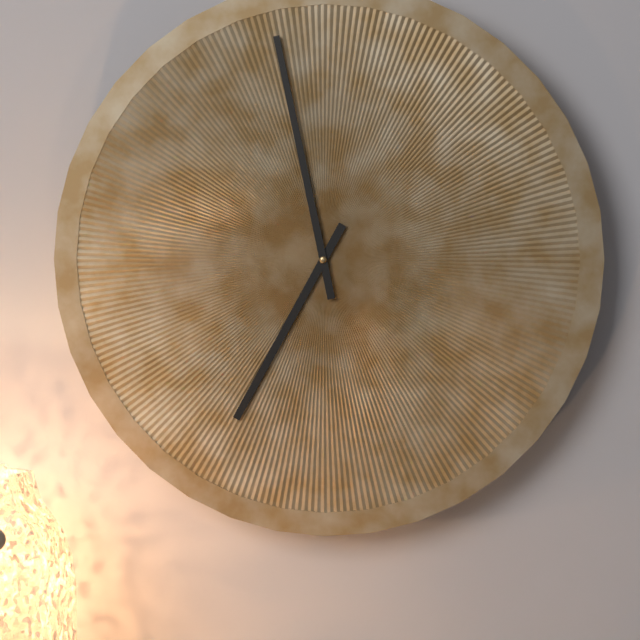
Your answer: 6.58
